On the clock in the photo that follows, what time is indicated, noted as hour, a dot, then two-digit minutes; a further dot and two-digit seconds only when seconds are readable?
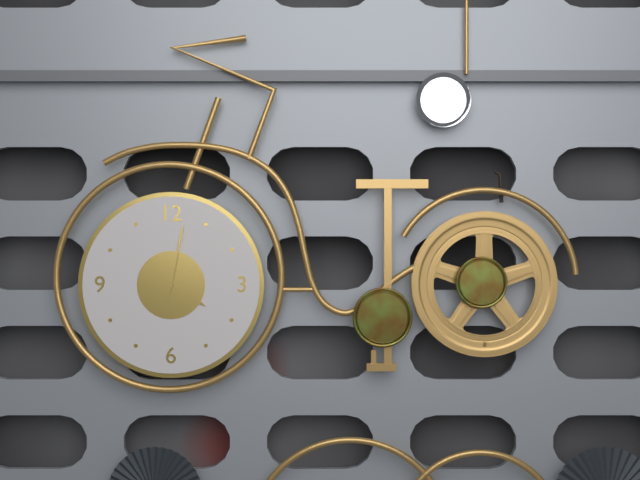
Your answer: 4.02
